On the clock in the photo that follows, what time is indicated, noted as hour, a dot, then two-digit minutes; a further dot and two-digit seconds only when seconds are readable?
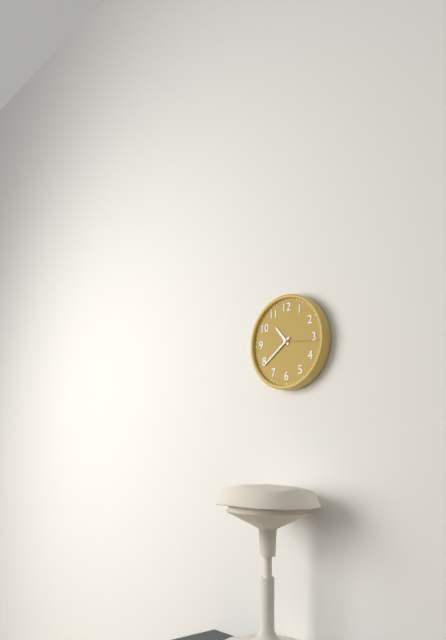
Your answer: 10.39
